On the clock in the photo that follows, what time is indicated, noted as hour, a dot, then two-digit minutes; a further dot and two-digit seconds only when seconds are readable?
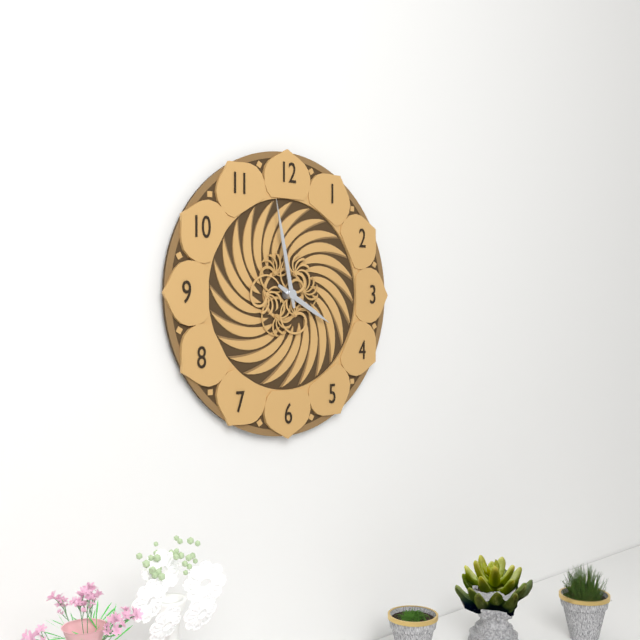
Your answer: 3.58
